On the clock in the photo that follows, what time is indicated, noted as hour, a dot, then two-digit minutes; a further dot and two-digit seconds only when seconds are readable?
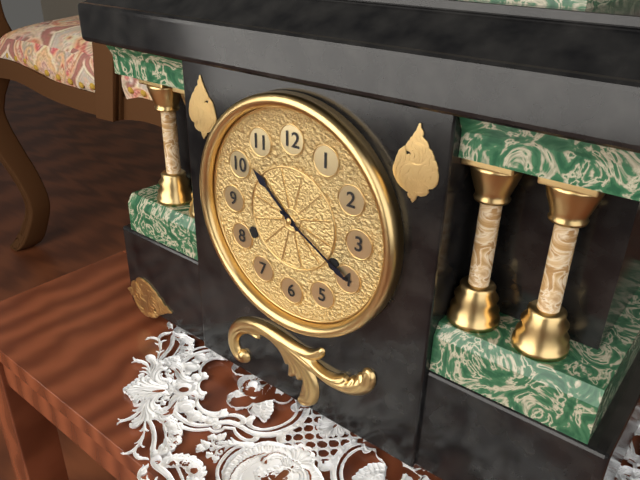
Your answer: 10.20
